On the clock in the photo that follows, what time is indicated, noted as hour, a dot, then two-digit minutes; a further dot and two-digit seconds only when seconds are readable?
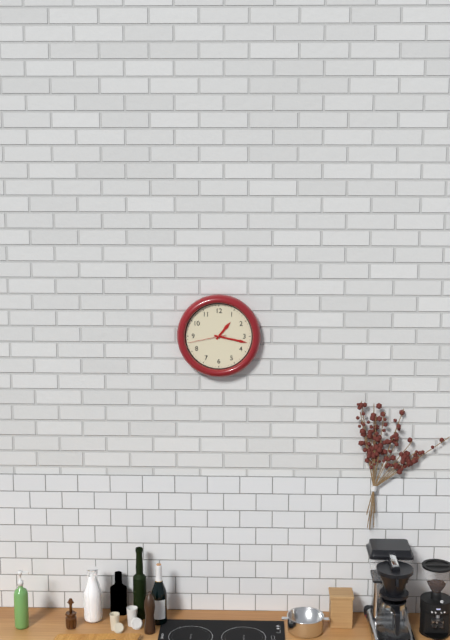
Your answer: 1.17
